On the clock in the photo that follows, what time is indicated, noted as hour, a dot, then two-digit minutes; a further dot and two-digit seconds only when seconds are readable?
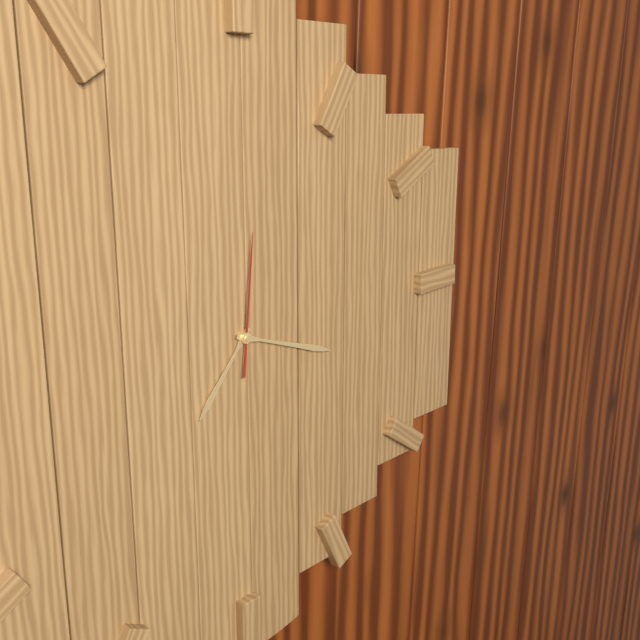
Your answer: 7.18.01
